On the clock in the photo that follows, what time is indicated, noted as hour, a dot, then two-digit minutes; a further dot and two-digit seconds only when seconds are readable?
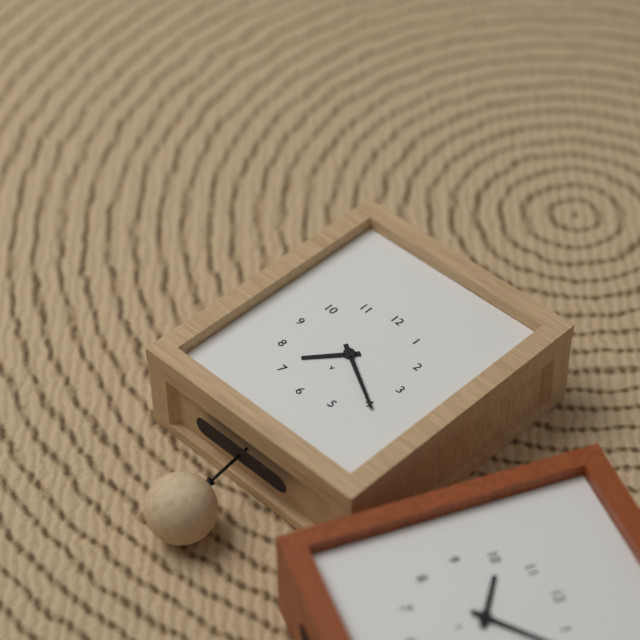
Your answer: 7.20
